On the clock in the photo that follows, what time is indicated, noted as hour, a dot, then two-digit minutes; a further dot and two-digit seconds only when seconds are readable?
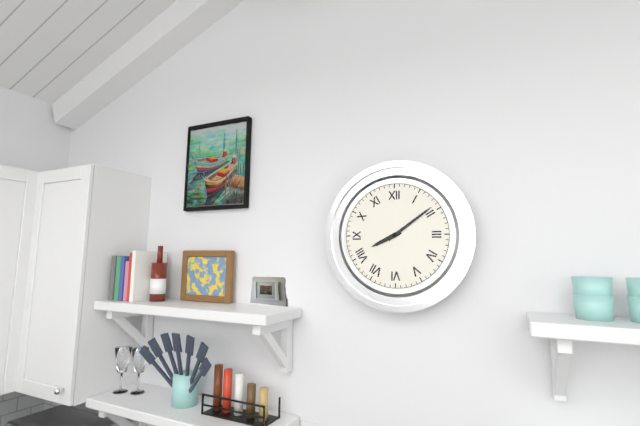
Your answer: 8.09
